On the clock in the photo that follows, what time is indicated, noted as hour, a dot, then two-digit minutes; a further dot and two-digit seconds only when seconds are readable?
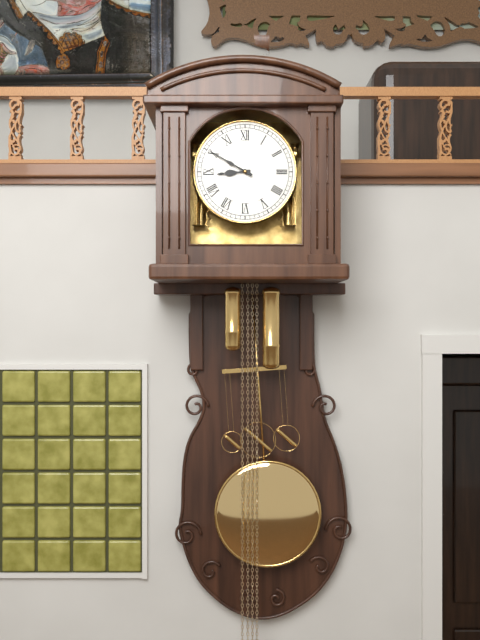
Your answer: 8.50
